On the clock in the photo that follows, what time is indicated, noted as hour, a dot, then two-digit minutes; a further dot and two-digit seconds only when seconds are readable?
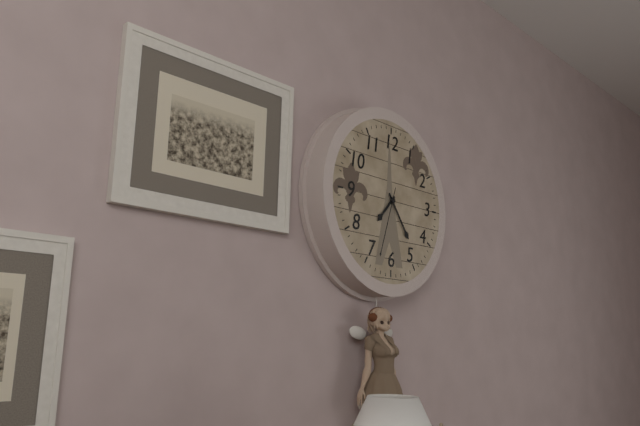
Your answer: 7.24.33
